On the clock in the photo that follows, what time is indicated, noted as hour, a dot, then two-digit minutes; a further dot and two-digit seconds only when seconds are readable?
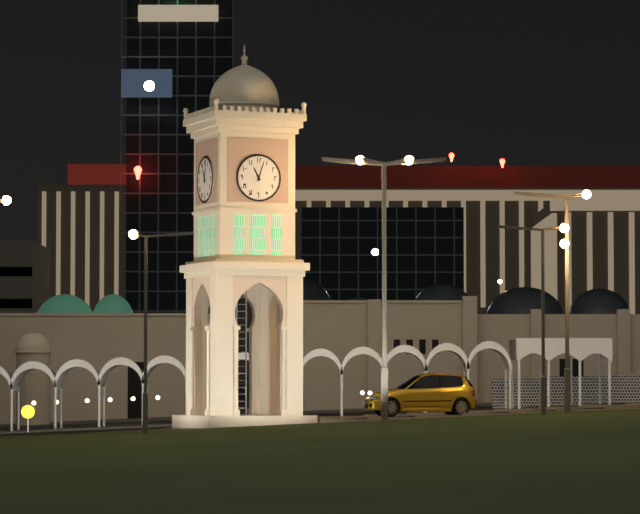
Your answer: 11.03
